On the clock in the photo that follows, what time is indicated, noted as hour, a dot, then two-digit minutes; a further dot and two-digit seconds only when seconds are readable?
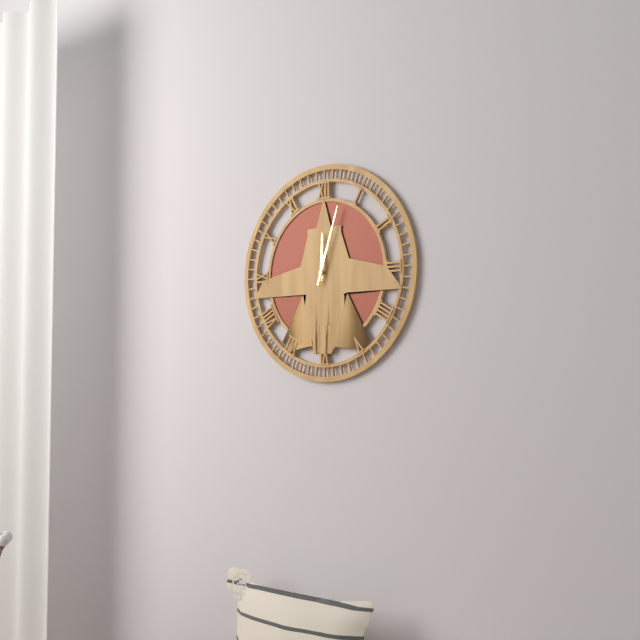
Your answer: 12.03
